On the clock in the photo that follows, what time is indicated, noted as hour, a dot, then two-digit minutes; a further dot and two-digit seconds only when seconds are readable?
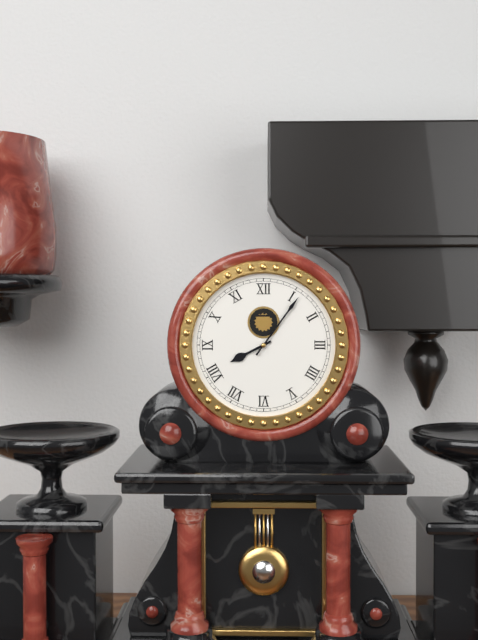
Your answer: 8.06
